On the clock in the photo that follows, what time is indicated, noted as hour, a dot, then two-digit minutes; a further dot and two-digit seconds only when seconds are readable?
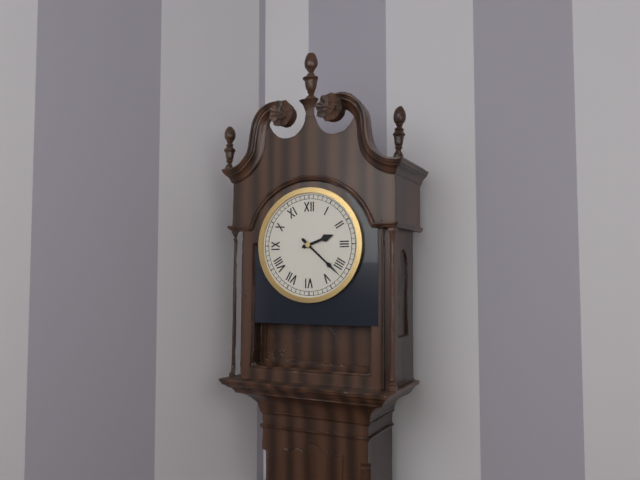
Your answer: 2.22
